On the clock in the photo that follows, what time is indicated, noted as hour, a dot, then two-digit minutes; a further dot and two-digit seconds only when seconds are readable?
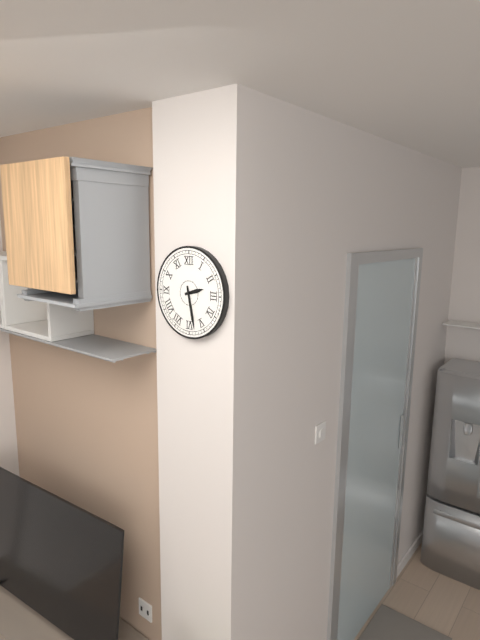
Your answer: 2.28
